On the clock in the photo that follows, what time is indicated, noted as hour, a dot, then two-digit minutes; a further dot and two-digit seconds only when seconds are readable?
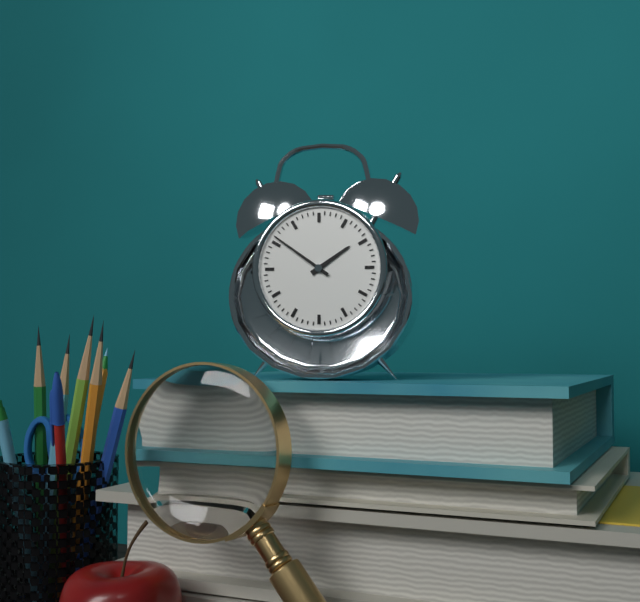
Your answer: 1.51
